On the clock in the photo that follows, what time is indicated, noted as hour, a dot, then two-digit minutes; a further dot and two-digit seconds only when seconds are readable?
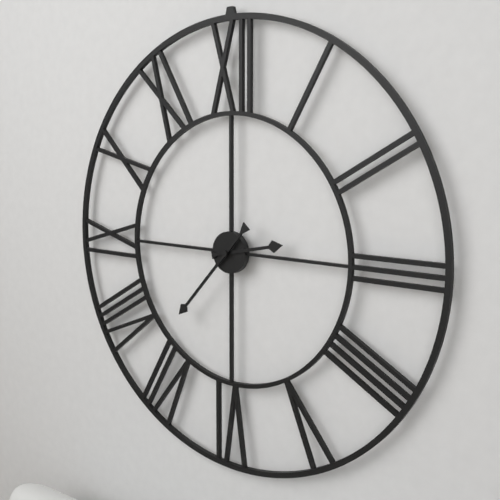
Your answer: 2.37
